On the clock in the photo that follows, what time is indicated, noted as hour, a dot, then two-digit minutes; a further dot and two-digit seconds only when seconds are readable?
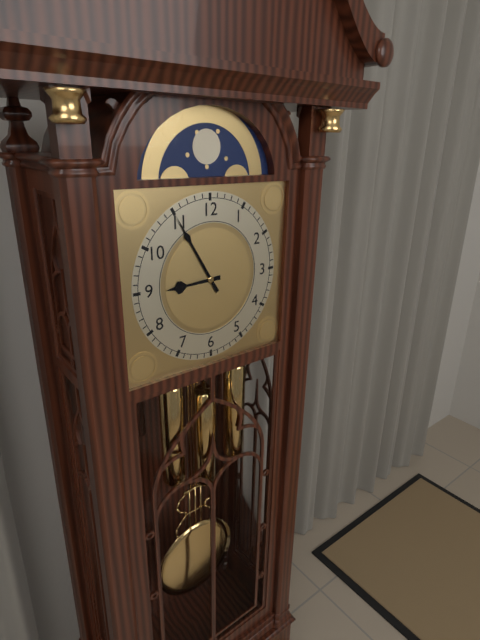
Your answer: 8.55
